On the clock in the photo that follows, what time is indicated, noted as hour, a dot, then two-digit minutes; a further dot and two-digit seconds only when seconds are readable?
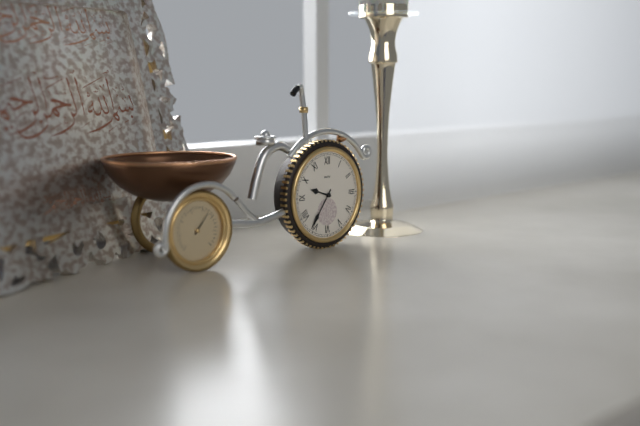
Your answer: 9.36
